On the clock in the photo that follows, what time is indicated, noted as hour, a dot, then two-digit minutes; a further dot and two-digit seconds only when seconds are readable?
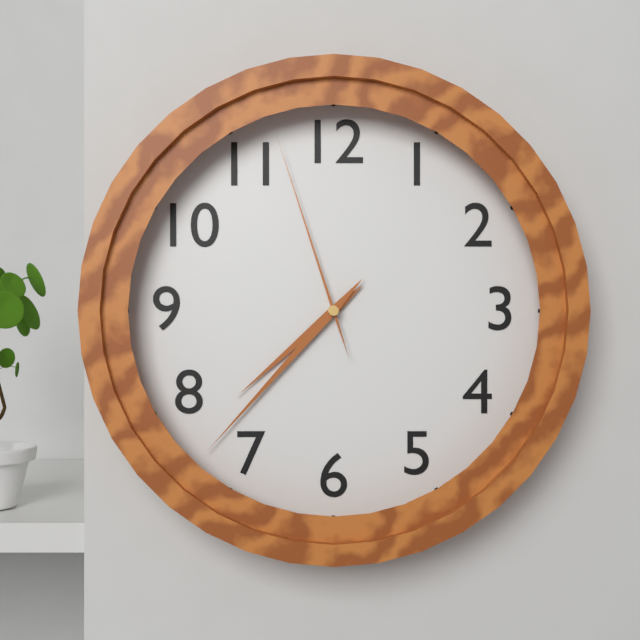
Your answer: 7.37.57
